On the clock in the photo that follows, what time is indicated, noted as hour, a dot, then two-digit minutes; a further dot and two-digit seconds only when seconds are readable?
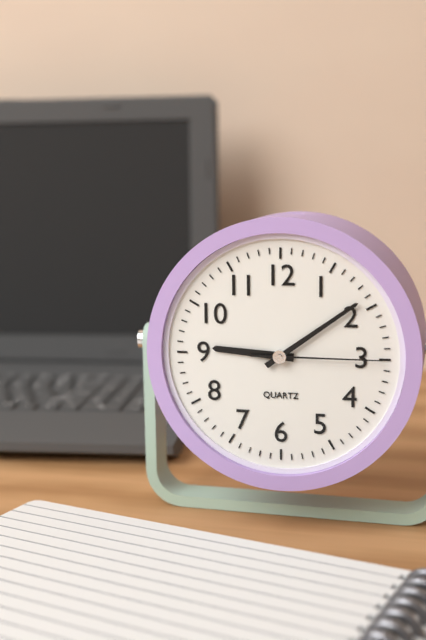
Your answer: 9.09.15
